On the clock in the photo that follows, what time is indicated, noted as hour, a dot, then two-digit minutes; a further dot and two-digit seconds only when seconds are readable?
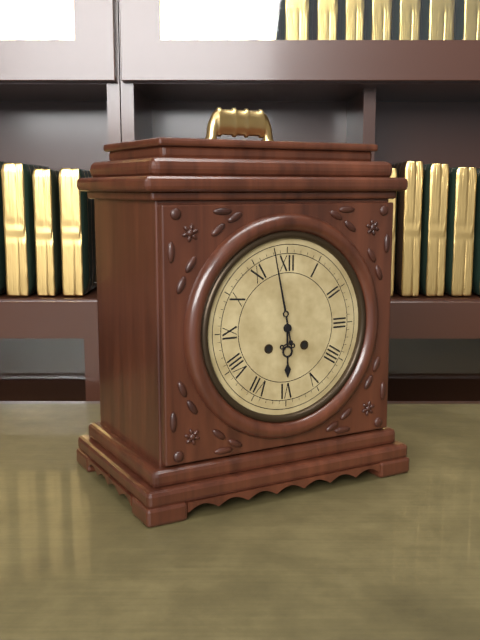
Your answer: 5.58
